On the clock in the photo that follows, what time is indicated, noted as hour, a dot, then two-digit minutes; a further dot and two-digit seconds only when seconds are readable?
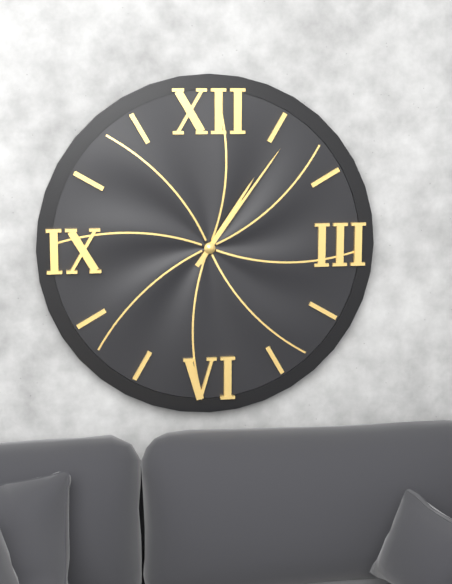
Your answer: 1.06
